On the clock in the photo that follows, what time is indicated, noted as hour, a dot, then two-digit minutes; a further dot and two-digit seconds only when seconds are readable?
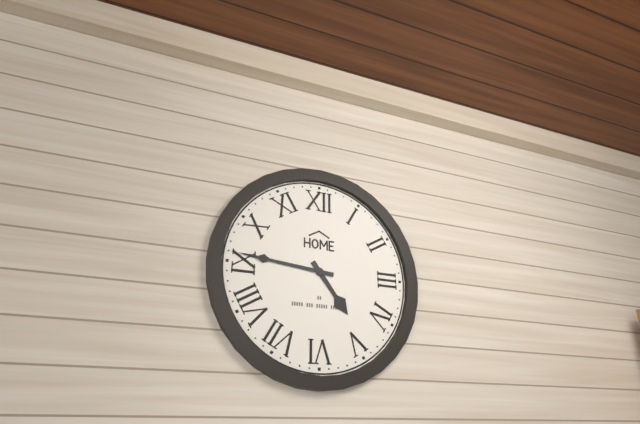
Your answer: 4.46
